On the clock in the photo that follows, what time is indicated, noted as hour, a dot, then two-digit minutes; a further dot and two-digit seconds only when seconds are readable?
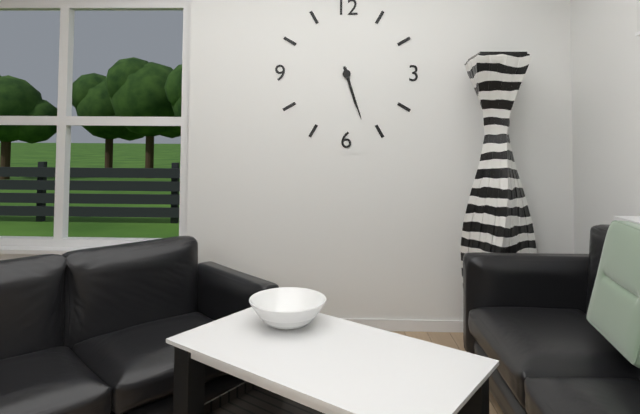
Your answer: 5.27
